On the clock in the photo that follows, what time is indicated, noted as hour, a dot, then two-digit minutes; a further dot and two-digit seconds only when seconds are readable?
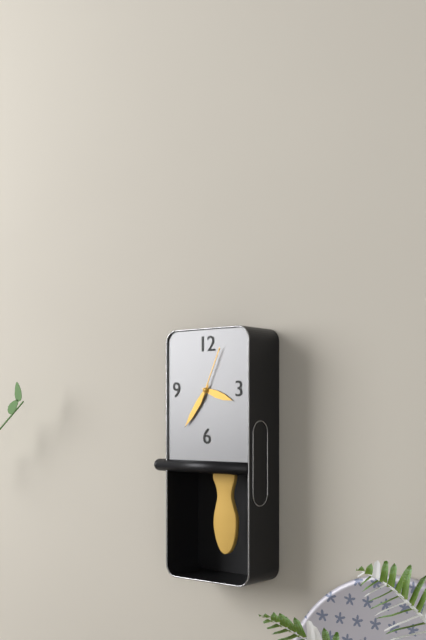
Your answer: 3.36.04
